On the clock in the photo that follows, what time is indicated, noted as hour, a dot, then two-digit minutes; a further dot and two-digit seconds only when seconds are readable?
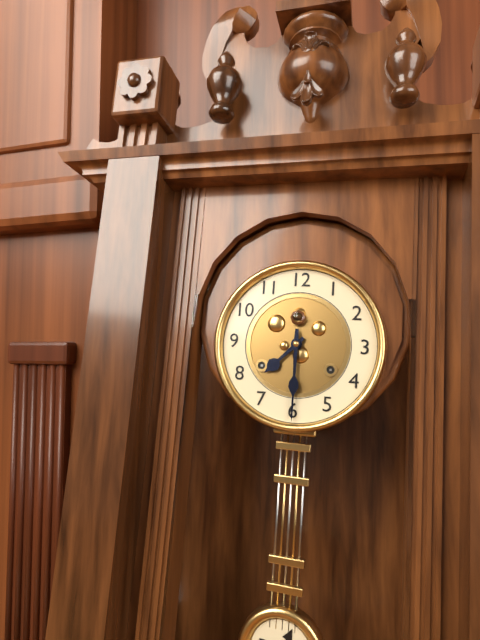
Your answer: 7.30
